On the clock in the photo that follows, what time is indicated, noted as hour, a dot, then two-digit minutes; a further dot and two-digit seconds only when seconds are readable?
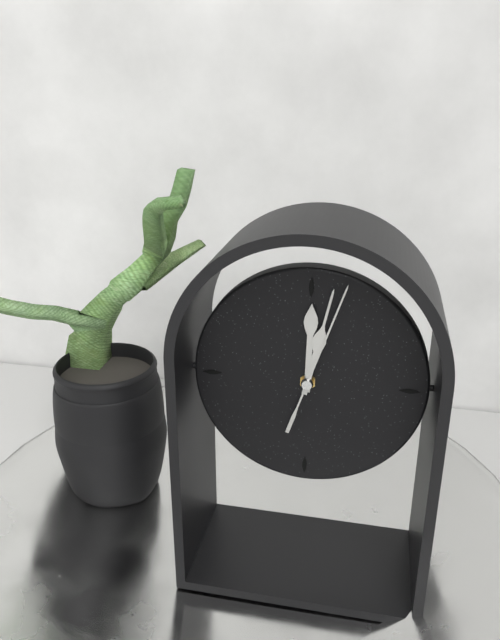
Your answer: 12.02.03
